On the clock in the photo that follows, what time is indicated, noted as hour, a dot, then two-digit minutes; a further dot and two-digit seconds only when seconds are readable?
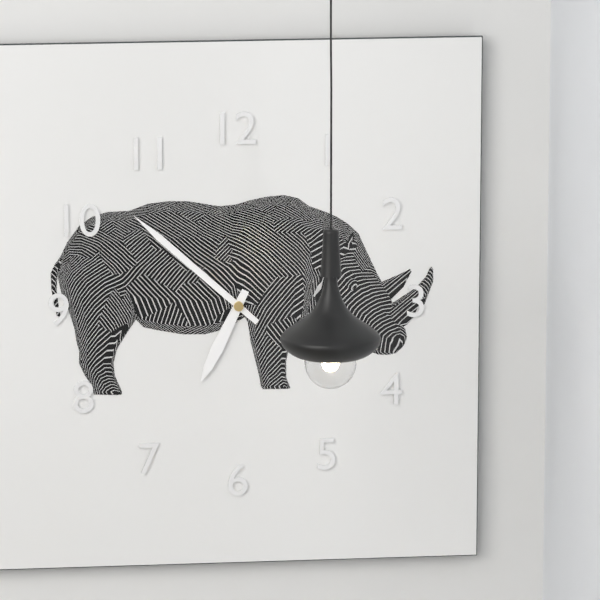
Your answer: 6.52
